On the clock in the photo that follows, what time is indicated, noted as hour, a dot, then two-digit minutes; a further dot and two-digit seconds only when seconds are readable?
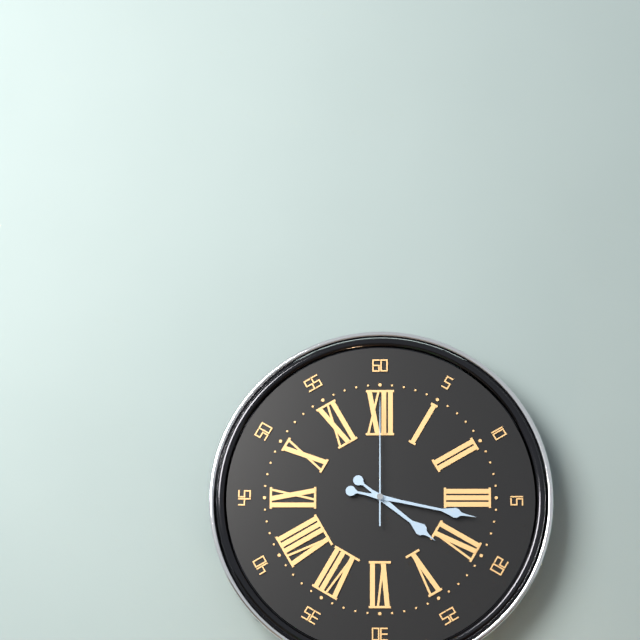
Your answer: 4.17.00
